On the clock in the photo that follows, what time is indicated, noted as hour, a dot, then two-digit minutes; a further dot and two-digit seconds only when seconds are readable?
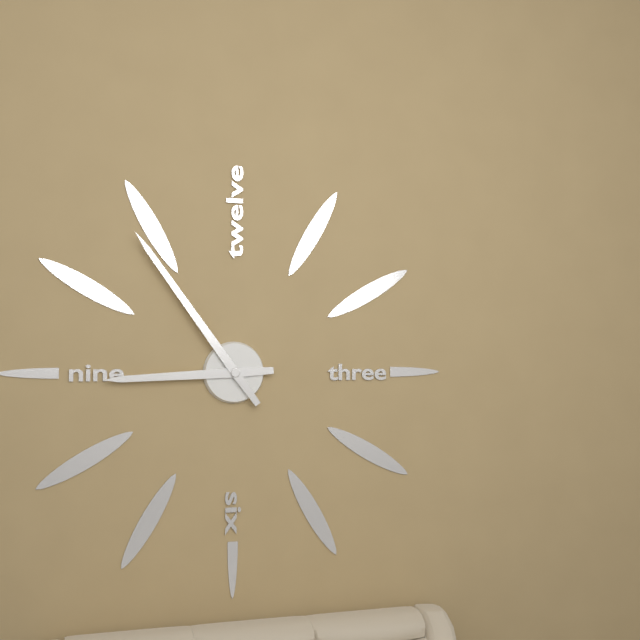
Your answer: 8.54
